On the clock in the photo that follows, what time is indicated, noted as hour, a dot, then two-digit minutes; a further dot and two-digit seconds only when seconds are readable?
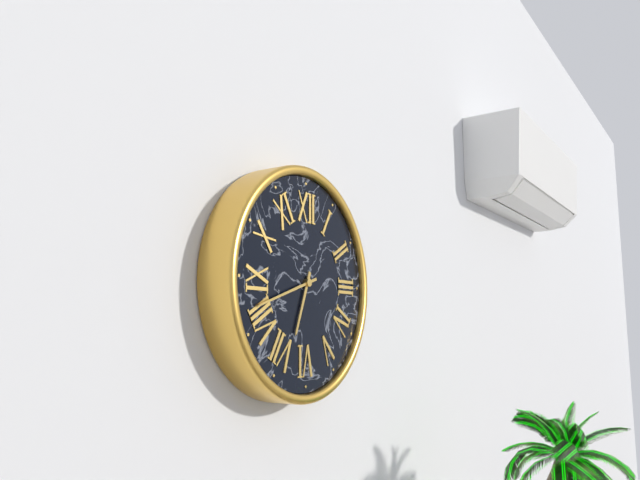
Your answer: 6.42
